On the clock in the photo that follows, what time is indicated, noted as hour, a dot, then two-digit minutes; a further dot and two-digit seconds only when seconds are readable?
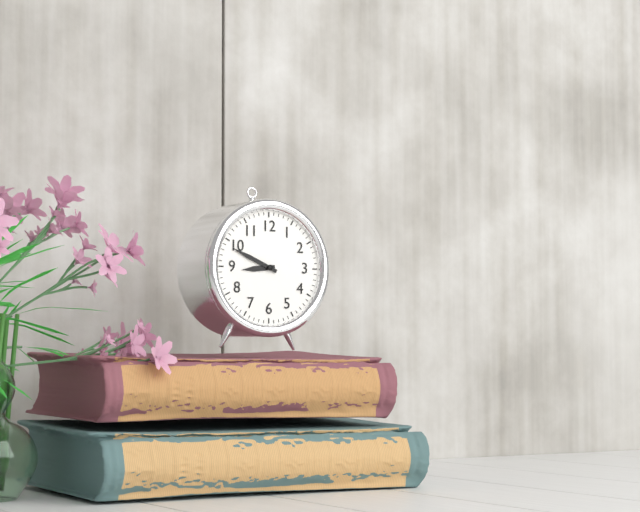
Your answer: 8.49
